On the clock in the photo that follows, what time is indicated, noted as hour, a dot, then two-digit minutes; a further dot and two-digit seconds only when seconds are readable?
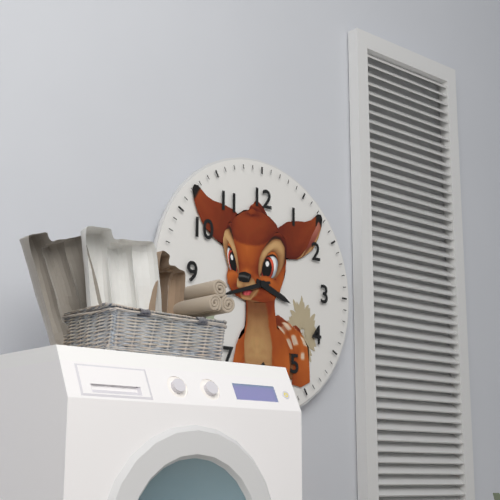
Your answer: 3.42
